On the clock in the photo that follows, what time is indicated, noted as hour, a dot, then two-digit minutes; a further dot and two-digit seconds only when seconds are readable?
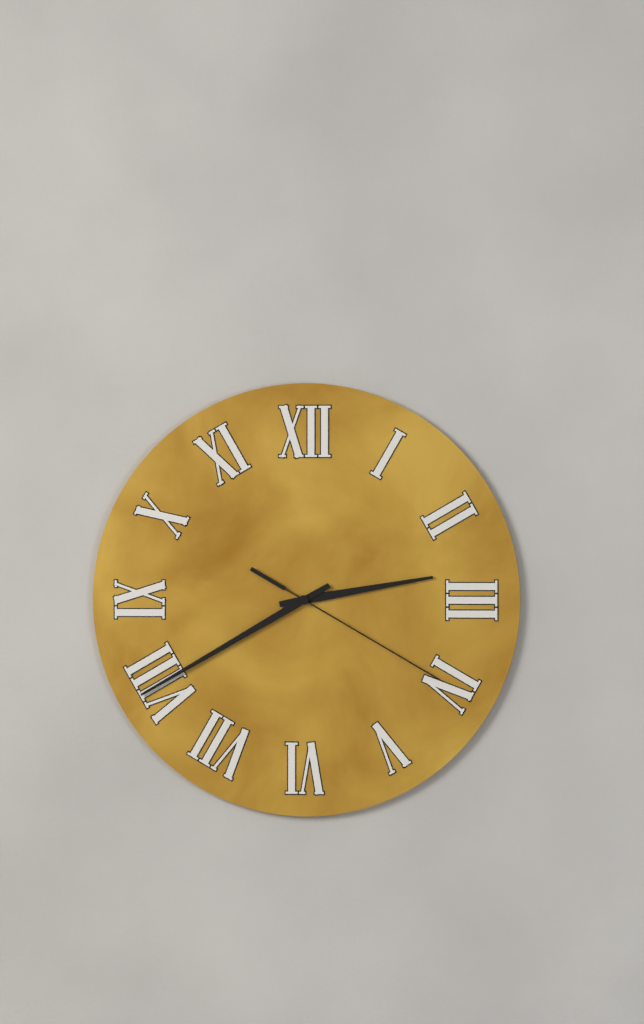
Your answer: 2.40.20
